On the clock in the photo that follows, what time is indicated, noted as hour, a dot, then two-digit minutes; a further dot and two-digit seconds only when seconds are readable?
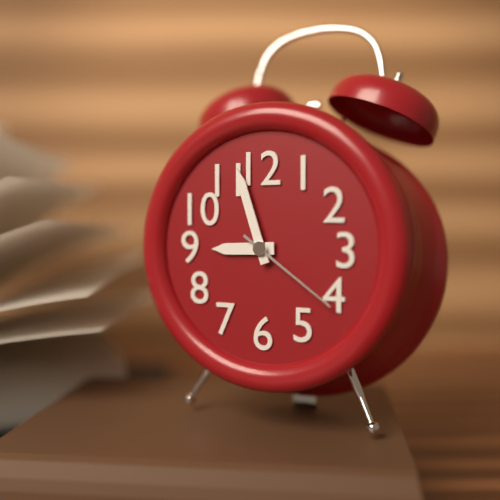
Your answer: 8.57.21
